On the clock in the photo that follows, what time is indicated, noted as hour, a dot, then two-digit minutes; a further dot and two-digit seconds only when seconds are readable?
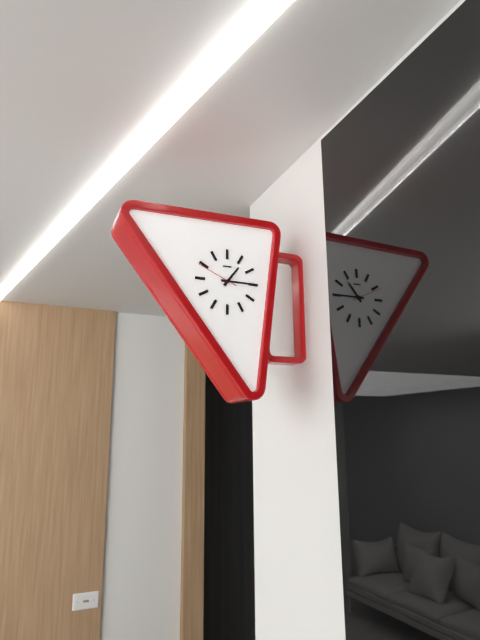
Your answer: 1.15
